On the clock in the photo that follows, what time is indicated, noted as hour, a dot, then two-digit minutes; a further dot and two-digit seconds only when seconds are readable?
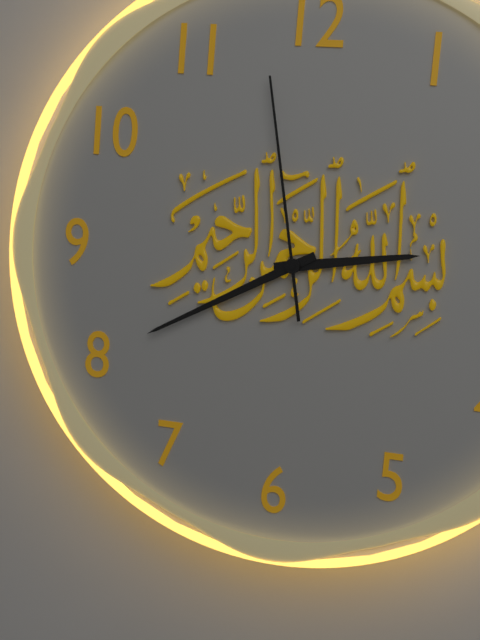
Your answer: 2.40.58
